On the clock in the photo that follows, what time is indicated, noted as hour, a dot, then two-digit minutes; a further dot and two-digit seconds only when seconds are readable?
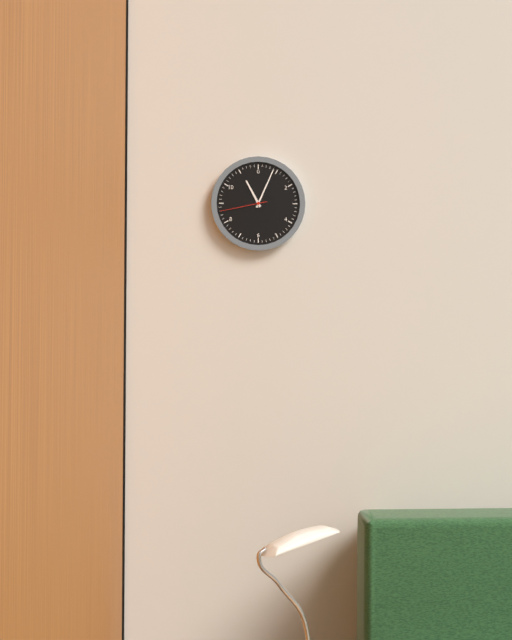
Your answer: 11.04
